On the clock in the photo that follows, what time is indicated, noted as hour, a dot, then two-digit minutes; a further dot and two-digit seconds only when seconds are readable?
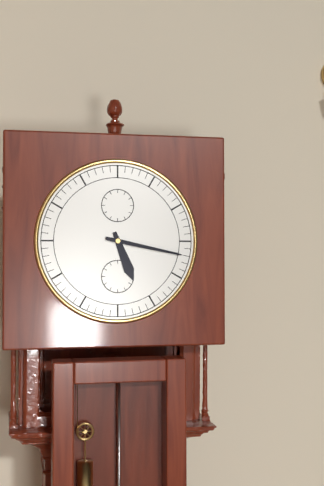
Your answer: 5.17
